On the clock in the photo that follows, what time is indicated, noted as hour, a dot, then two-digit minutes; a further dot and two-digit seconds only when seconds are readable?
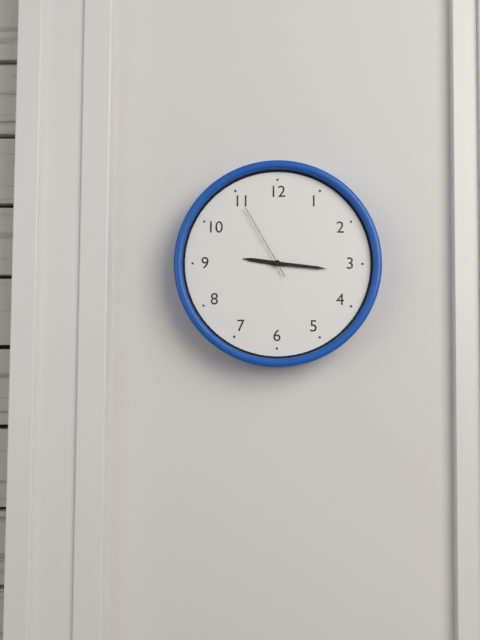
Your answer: 9.16.55
